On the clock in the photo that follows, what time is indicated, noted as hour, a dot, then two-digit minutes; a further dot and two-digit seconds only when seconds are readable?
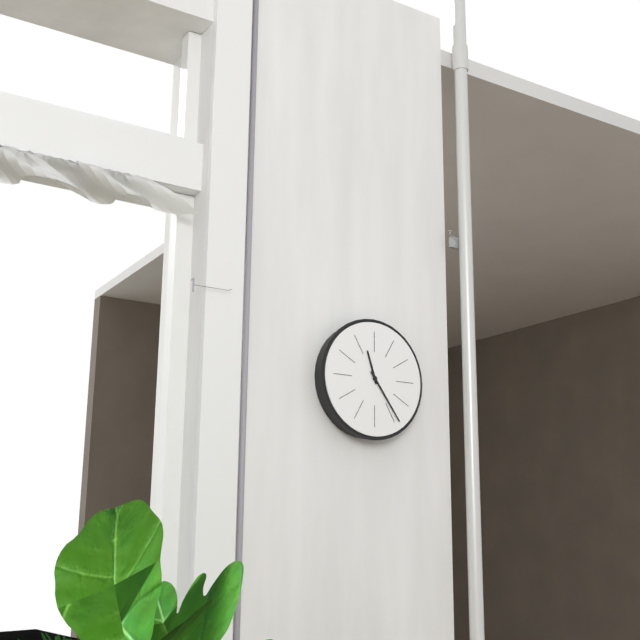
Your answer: 11.24
